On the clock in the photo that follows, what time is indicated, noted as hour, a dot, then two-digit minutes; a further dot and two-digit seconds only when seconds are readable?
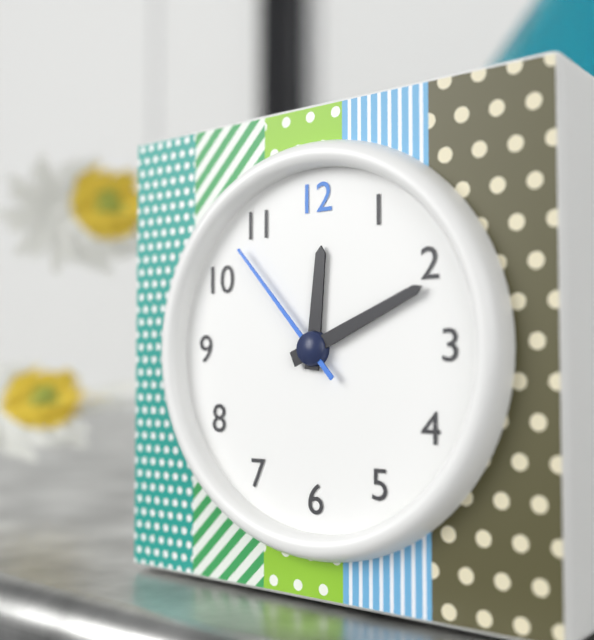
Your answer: 12.11.53
